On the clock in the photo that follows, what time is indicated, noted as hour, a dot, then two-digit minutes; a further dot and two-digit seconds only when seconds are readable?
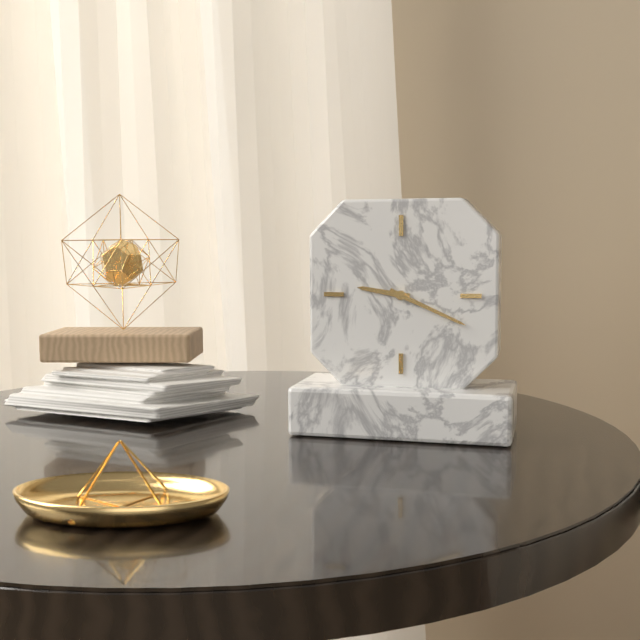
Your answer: 9.19
